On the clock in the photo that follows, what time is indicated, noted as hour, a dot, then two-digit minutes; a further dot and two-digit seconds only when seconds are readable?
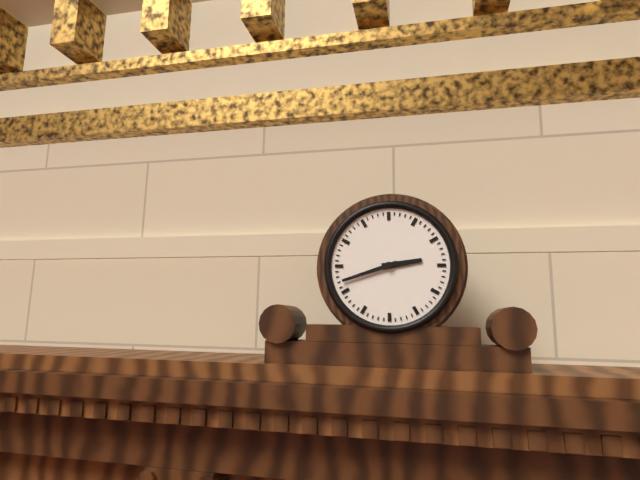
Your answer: 2.42
